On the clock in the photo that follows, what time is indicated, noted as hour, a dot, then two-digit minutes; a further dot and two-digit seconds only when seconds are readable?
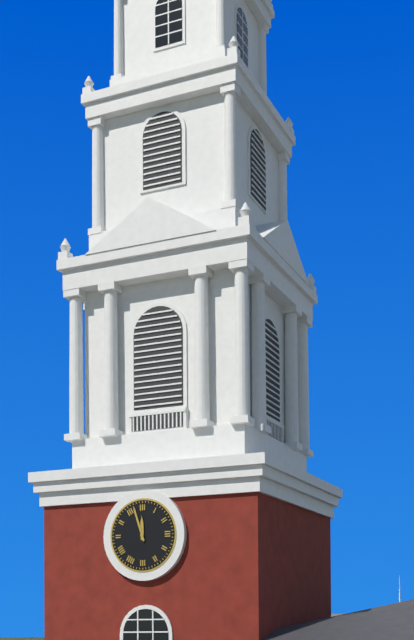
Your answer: 11.57
